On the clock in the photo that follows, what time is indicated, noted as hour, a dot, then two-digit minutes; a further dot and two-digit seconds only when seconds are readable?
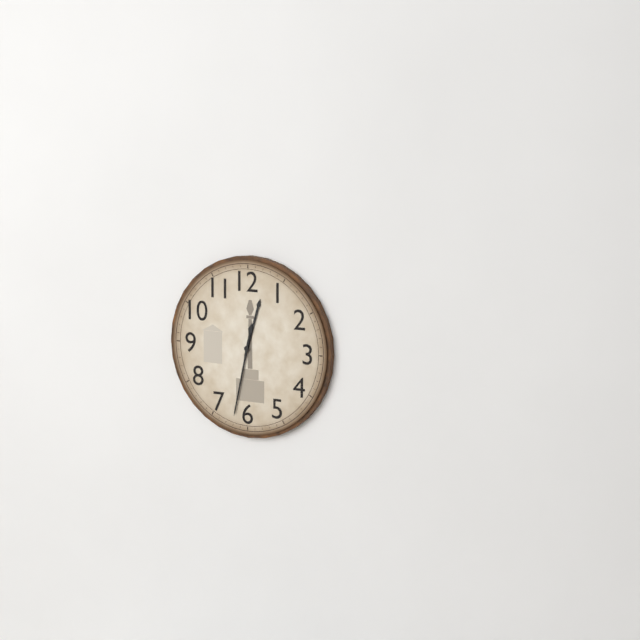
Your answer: 12.32
